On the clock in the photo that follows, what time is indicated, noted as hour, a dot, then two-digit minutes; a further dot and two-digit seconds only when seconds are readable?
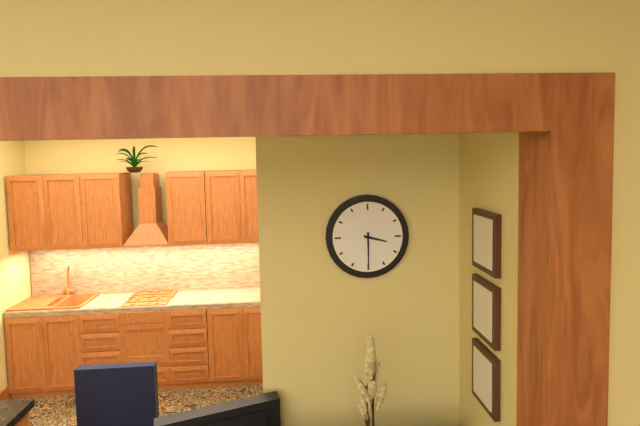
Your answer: 3.30
